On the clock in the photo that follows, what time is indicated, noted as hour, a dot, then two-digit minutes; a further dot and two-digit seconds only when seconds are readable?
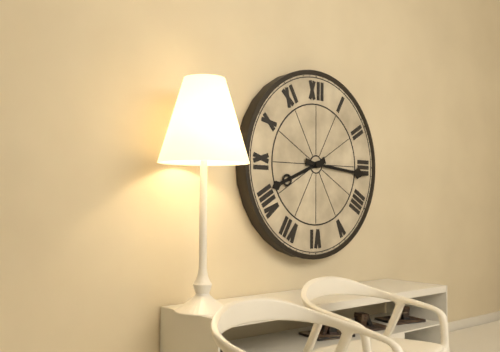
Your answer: 8.16
